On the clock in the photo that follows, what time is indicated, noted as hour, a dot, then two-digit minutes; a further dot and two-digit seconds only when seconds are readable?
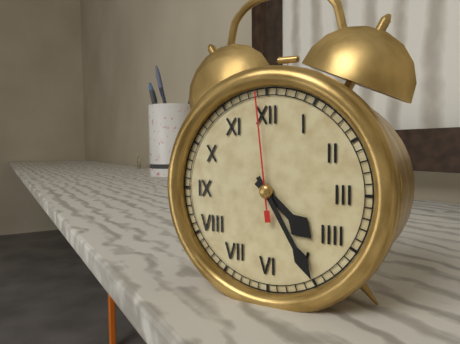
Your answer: 4.25.59
